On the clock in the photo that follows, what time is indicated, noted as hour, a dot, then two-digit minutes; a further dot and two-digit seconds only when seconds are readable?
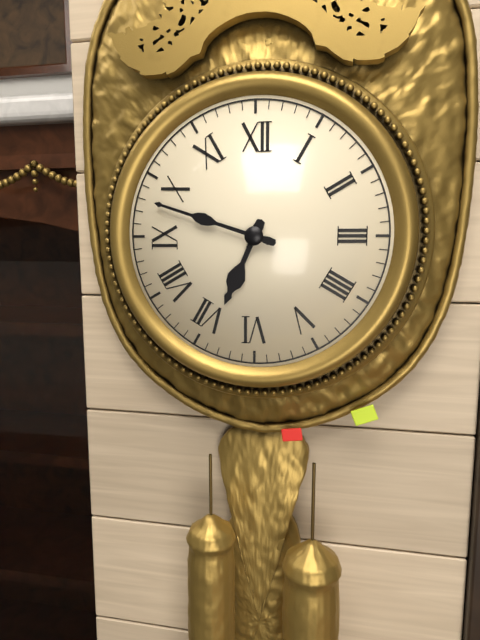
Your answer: 6.48
